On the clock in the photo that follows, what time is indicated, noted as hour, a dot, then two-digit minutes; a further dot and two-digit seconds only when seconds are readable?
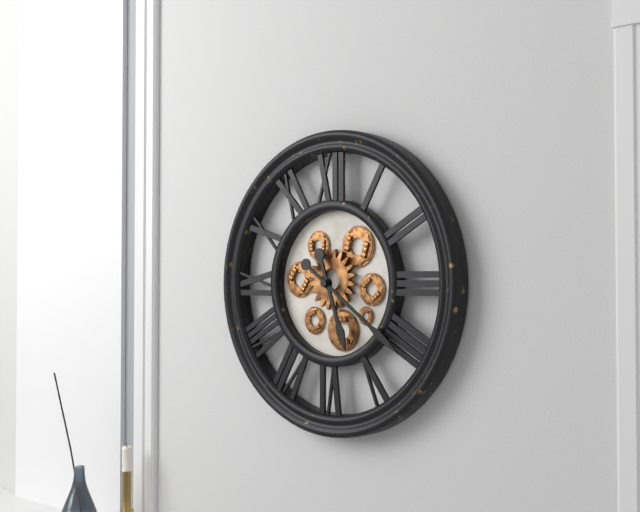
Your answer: 5.21
